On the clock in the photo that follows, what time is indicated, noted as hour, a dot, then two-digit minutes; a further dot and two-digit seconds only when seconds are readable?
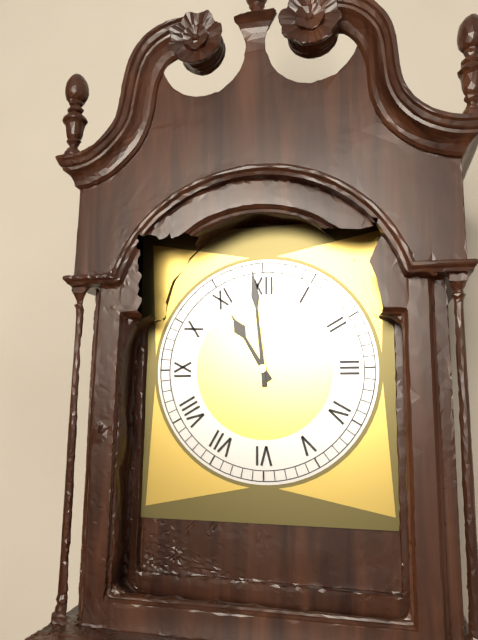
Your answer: 10.59
